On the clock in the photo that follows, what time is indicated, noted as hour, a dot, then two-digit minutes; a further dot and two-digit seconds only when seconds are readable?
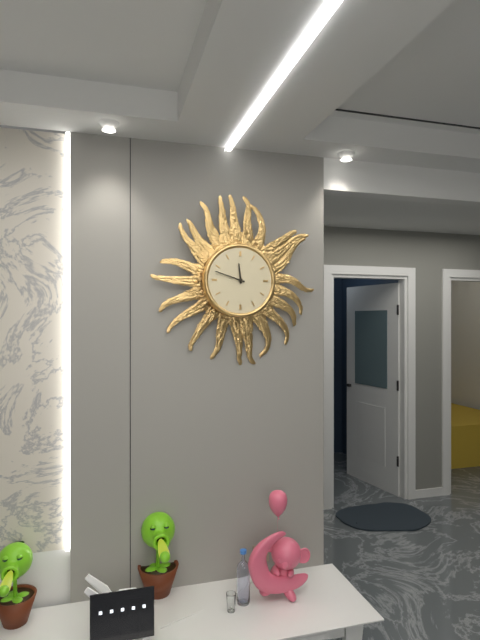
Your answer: 11.48
